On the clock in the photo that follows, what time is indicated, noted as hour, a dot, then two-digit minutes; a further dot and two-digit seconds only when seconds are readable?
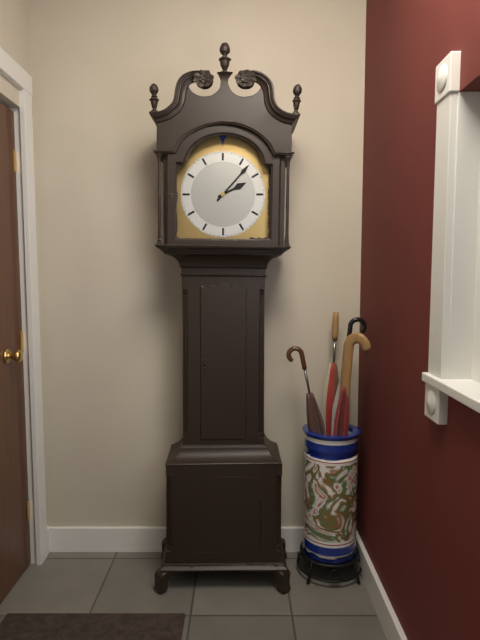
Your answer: 2.07
